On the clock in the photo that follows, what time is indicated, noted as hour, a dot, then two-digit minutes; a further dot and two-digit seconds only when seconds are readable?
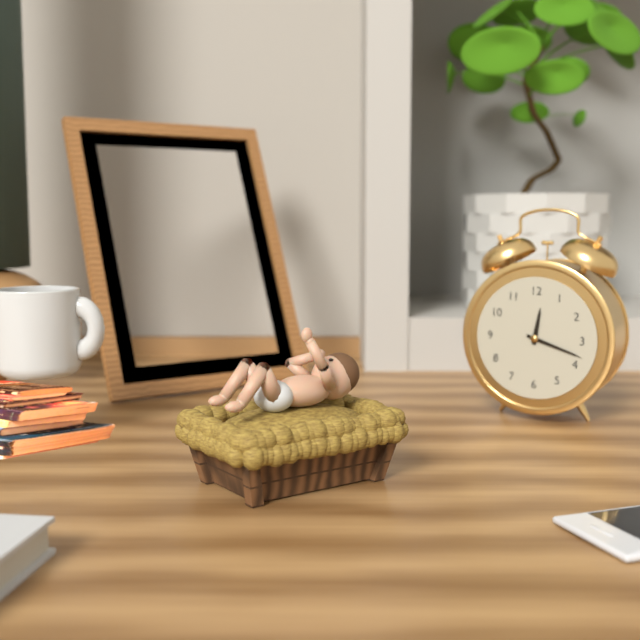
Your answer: 12.18
